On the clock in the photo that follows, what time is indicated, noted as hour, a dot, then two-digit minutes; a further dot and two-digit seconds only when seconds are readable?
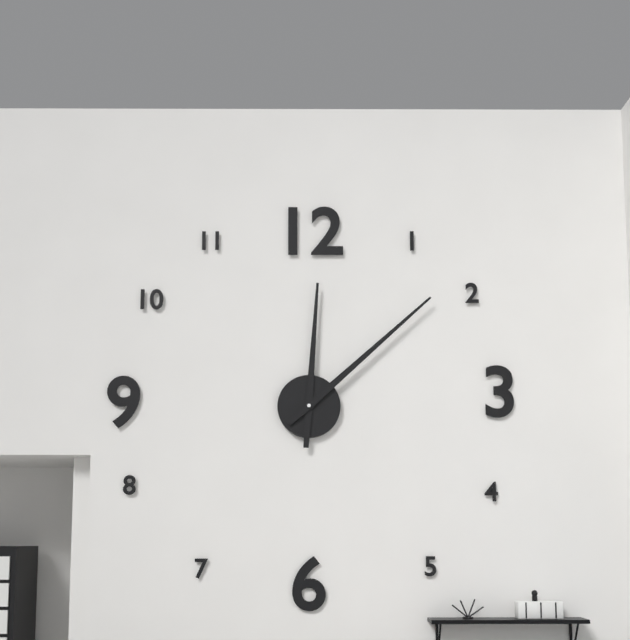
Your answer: 12.08
